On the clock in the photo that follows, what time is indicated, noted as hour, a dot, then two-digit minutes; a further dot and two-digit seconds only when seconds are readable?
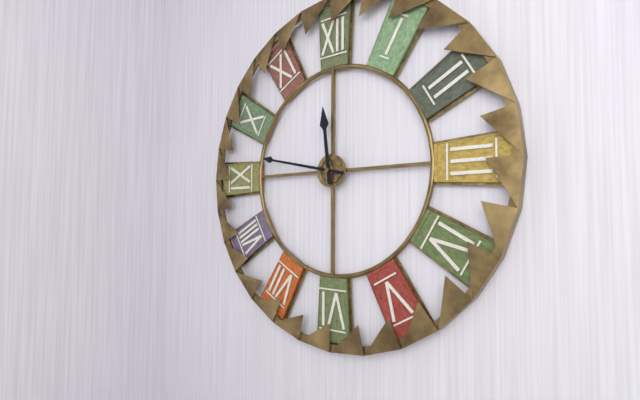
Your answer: 11.47
